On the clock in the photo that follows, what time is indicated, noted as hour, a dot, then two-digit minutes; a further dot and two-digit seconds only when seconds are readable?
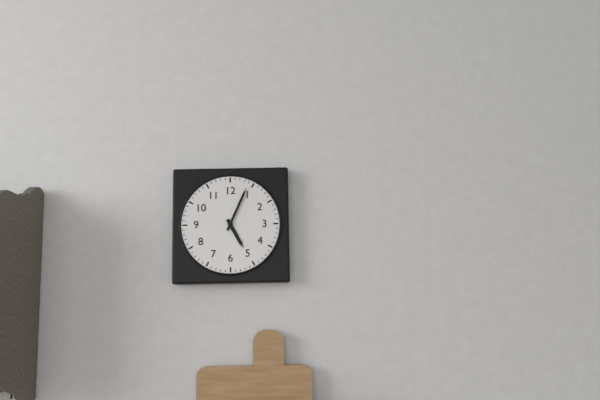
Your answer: 5.04
